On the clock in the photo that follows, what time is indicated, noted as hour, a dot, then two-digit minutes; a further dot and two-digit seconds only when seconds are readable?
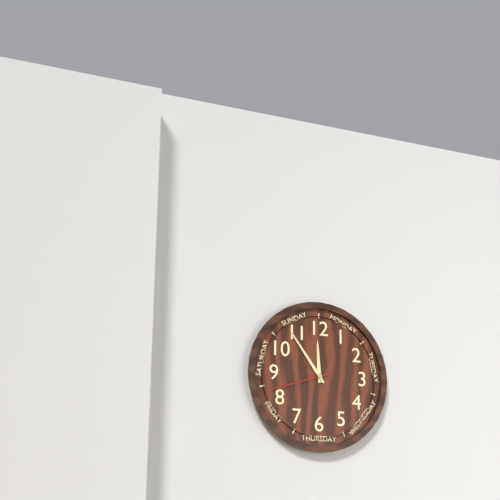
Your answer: 11.54.42
